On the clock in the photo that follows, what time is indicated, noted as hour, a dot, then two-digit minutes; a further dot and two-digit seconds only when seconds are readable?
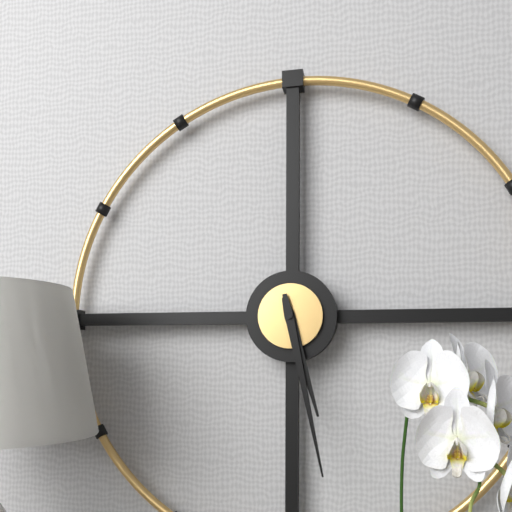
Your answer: 5.28
